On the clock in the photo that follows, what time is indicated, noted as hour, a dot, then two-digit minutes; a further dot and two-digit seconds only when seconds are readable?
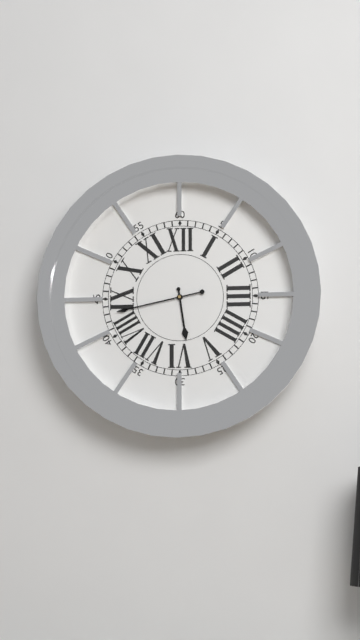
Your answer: 5.43
